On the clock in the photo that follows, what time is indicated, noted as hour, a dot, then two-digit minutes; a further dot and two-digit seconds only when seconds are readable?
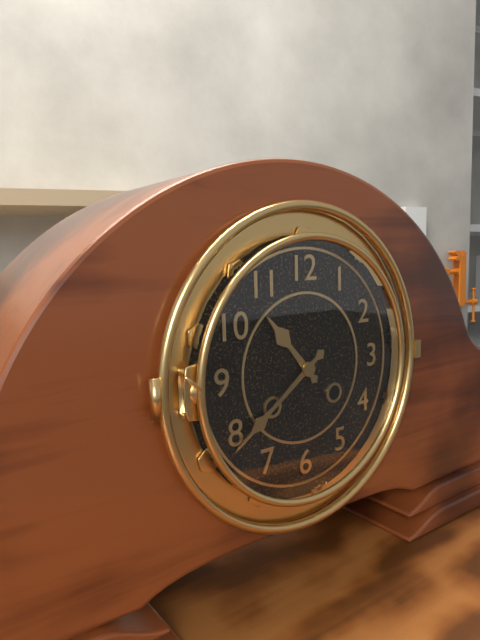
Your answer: 10.39
